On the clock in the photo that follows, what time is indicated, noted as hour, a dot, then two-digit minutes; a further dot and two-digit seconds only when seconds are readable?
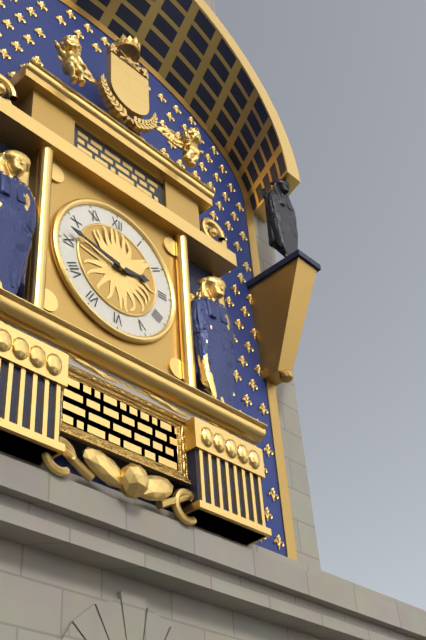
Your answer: 2.47
